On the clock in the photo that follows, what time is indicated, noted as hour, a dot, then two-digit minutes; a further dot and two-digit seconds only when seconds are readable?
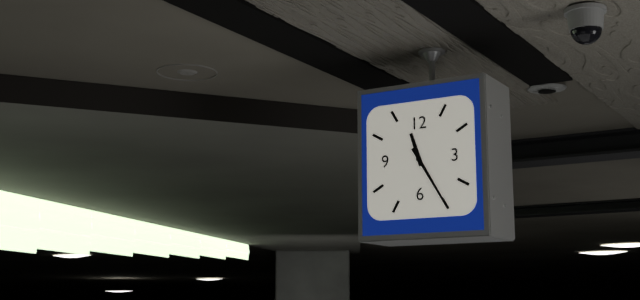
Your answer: 11.25
